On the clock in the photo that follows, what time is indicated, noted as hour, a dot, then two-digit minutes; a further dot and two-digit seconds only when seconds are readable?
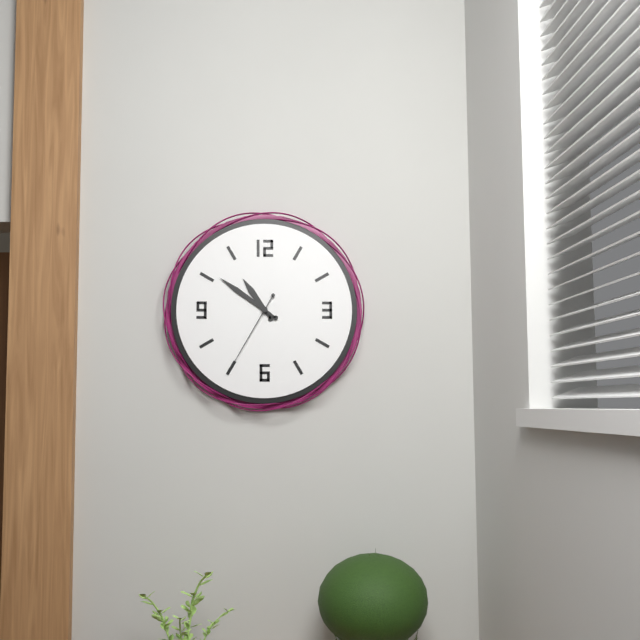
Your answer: 10.51.35
